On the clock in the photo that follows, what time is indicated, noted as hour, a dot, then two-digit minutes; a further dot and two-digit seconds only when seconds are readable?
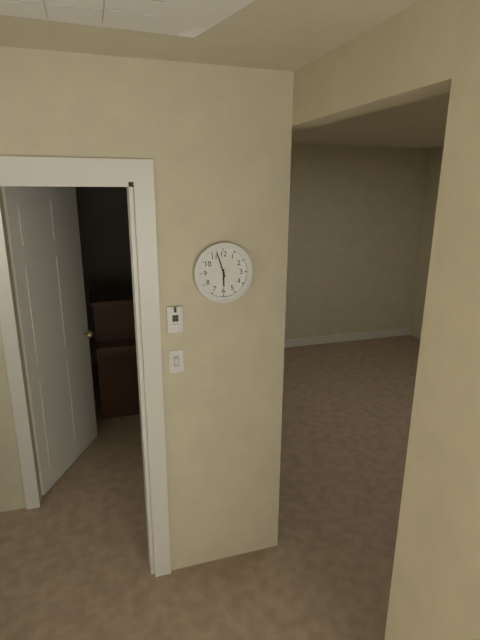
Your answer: 5.57
